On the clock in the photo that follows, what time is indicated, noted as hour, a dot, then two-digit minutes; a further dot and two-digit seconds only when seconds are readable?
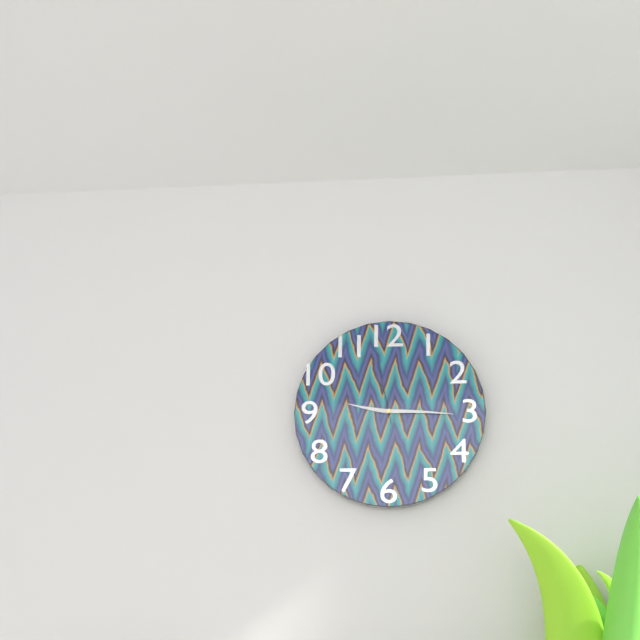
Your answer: 9.15.58
